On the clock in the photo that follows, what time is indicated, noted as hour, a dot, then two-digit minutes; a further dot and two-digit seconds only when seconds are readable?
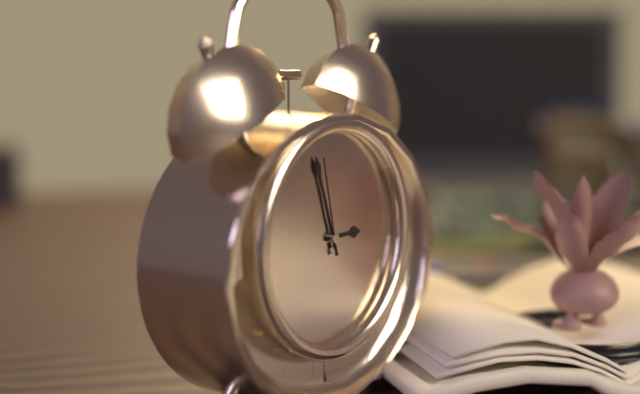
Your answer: 2.57.58
